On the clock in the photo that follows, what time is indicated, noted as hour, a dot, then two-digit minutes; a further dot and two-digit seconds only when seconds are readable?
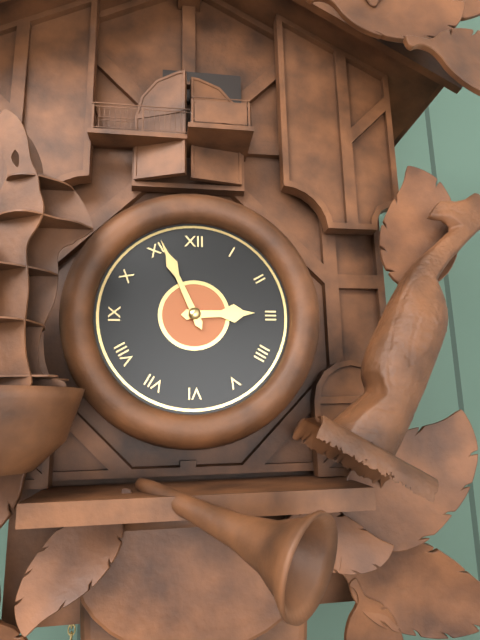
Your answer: 2.56
